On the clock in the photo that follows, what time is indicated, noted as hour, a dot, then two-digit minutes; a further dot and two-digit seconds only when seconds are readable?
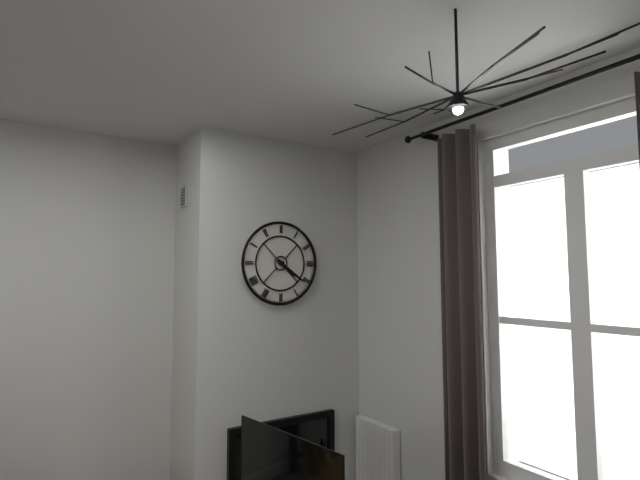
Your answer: 4.21
